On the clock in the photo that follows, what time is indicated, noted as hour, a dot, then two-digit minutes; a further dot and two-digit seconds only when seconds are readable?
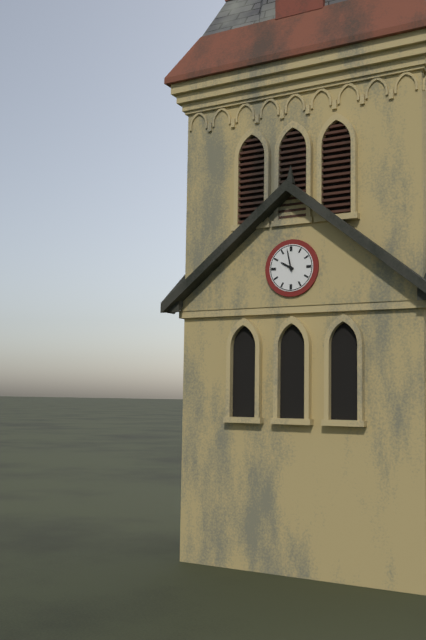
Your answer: 9.58
